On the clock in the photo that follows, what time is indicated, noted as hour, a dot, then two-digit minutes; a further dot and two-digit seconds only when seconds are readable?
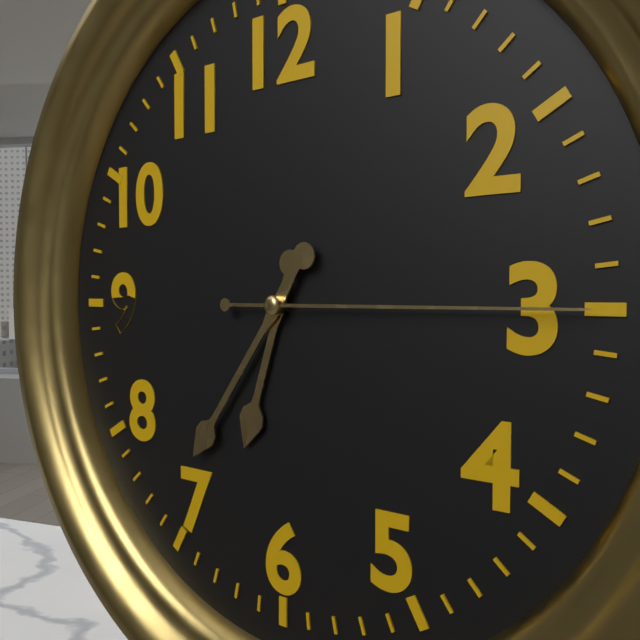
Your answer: 6.36.15
